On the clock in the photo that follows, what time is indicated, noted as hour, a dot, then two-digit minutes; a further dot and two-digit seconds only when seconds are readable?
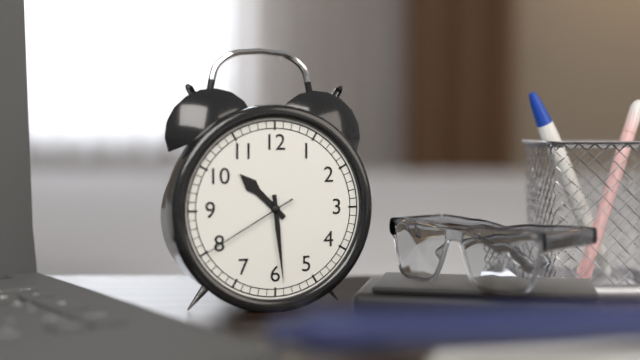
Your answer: 10.29.40
